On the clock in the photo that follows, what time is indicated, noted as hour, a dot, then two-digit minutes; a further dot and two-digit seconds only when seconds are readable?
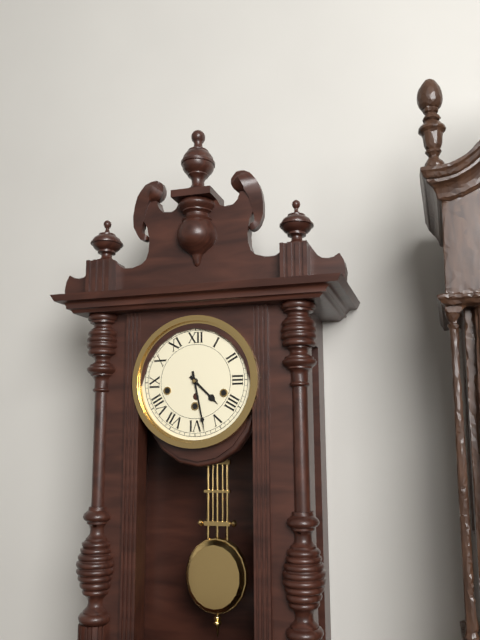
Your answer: 4.28
